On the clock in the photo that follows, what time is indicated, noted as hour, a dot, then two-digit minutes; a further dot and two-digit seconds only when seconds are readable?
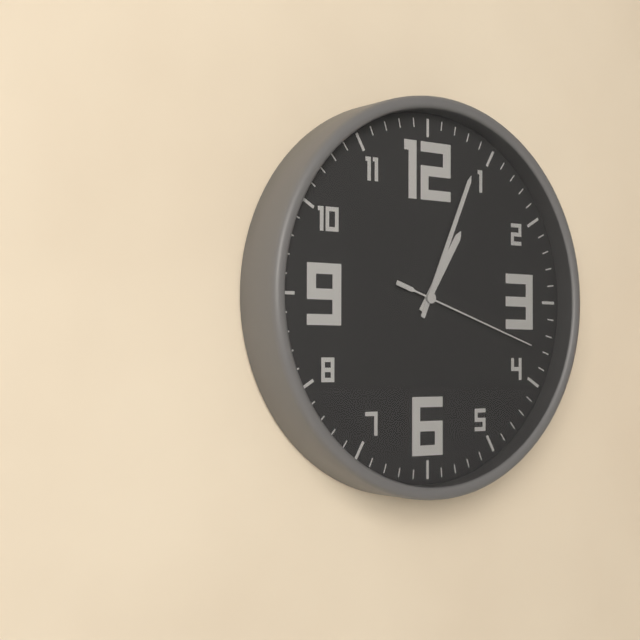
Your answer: 1.04.18
